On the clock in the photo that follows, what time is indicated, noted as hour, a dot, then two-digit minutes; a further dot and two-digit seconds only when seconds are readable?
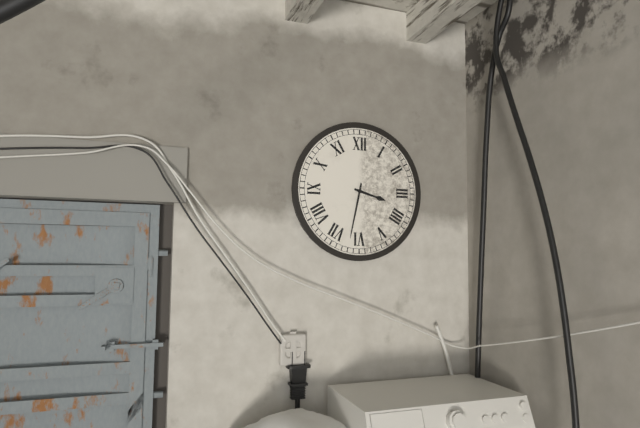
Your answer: 3.32
